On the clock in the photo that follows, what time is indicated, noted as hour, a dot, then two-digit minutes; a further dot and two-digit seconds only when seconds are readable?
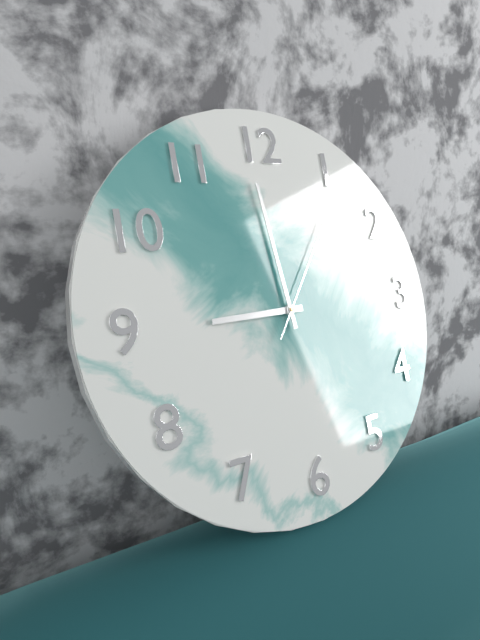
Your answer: 8.59.06
